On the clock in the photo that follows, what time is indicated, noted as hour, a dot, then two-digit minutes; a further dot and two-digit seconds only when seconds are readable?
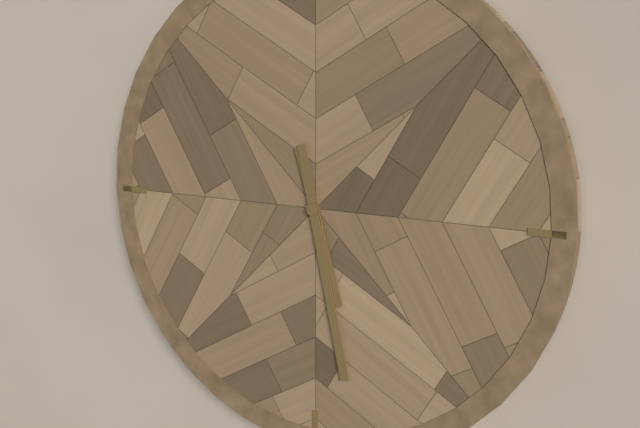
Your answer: 5.28
